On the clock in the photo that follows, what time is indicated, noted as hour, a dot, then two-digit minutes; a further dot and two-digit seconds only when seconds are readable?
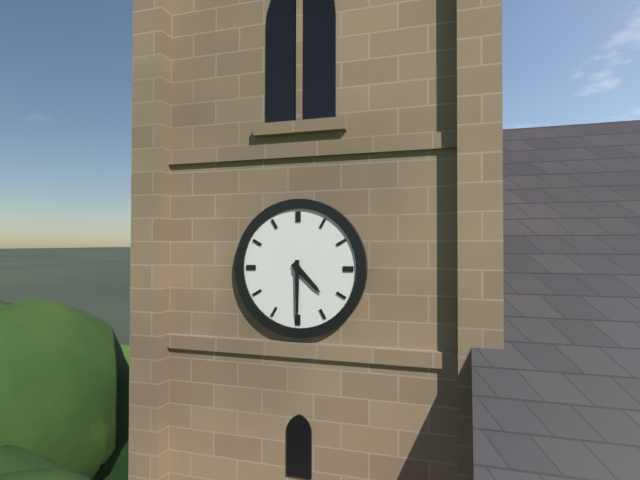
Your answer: 4.30
